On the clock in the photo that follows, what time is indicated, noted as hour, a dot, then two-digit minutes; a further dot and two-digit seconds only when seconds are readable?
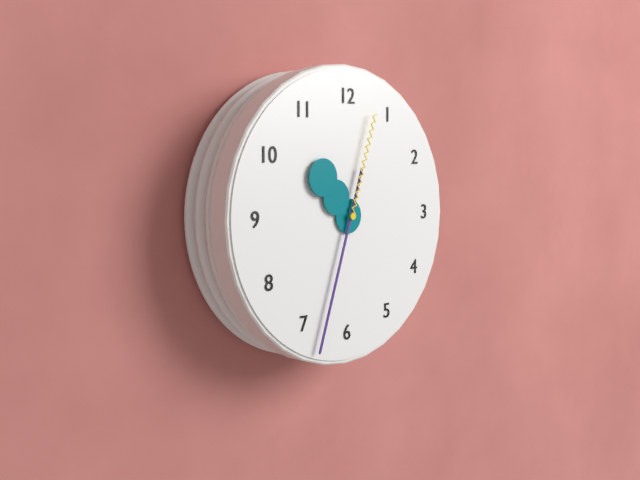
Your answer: 10.33.03
